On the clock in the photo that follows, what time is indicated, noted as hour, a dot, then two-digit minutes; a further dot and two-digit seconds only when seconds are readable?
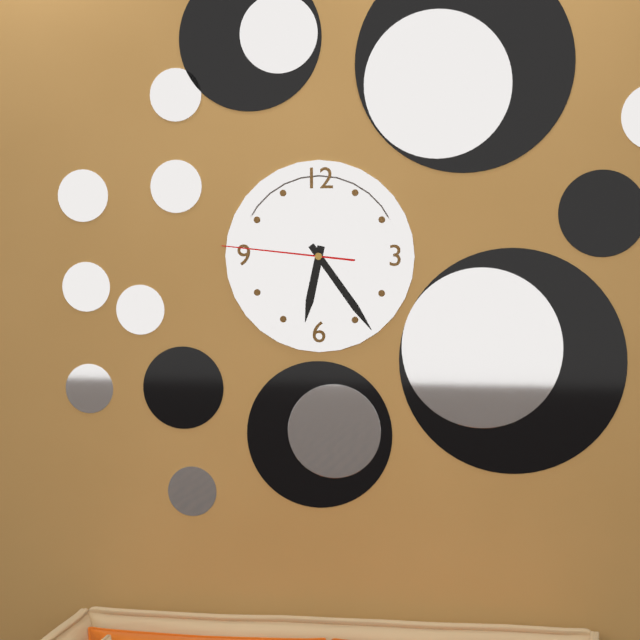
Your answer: 6.24.46
